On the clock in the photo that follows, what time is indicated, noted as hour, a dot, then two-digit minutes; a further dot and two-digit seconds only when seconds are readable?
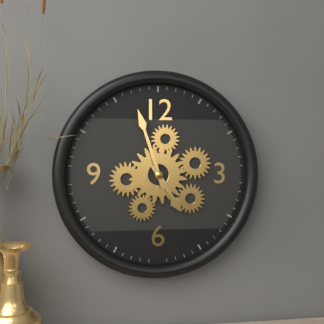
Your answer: 4.57
